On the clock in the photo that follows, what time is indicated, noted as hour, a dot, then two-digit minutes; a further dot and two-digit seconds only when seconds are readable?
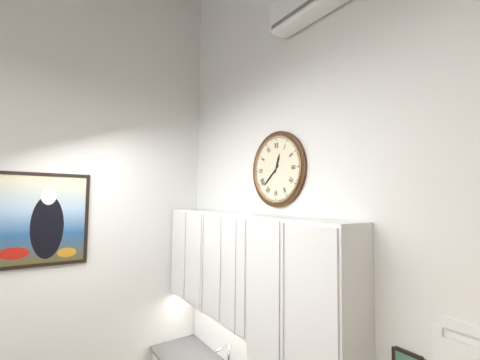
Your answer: 12.38
